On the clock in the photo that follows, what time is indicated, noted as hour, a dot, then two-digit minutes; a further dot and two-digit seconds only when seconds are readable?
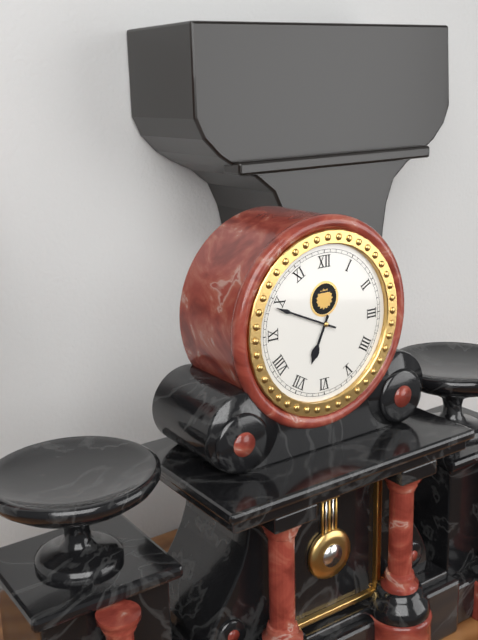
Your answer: 6.49
